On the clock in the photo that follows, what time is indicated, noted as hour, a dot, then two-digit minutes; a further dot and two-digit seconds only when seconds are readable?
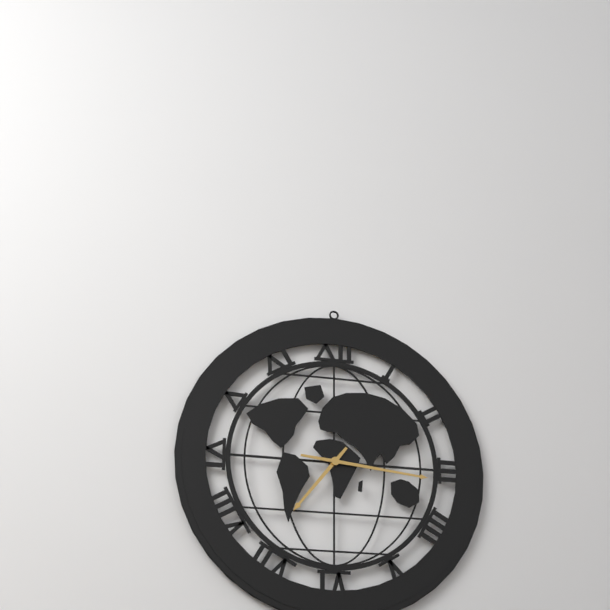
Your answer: 7.16
